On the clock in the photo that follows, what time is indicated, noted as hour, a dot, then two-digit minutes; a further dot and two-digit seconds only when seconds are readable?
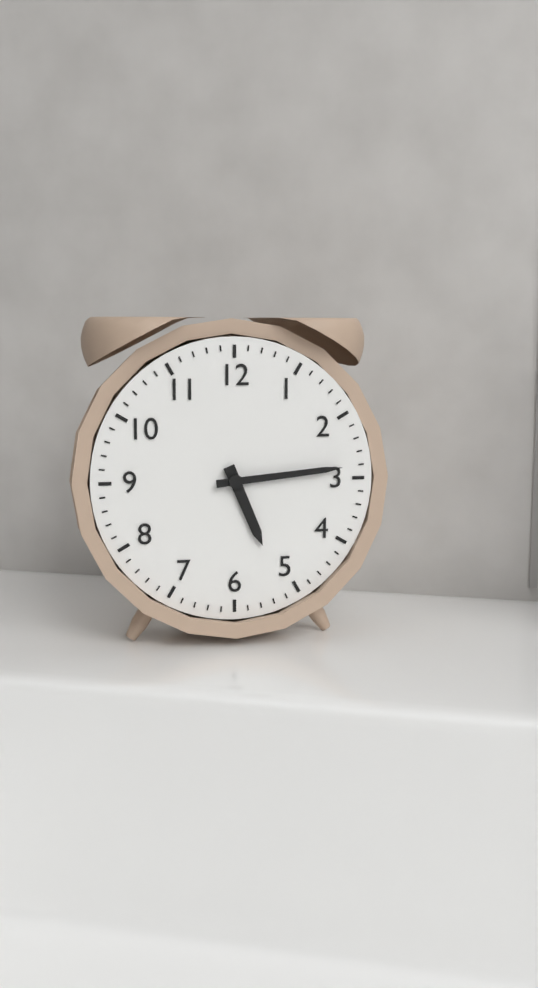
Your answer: 5.14
